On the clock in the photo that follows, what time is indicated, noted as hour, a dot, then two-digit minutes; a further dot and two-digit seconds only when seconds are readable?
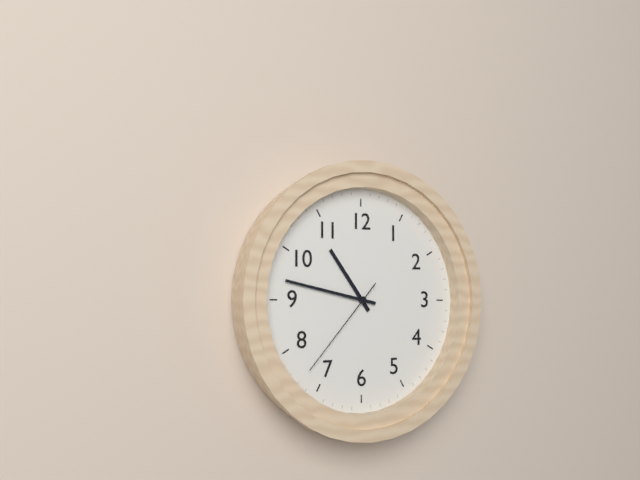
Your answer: 10.47.37
